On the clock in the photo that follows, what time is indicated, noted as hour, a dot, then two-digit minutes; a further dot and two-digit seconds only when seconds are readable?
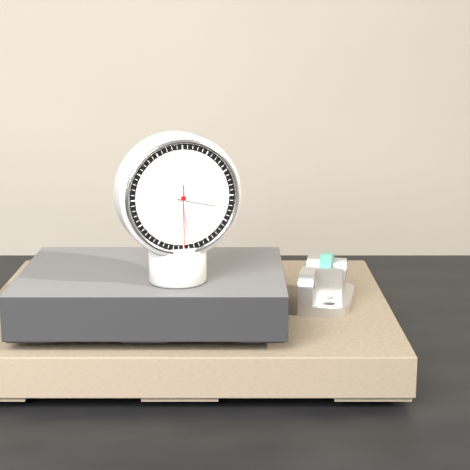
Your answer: 3.28.30
